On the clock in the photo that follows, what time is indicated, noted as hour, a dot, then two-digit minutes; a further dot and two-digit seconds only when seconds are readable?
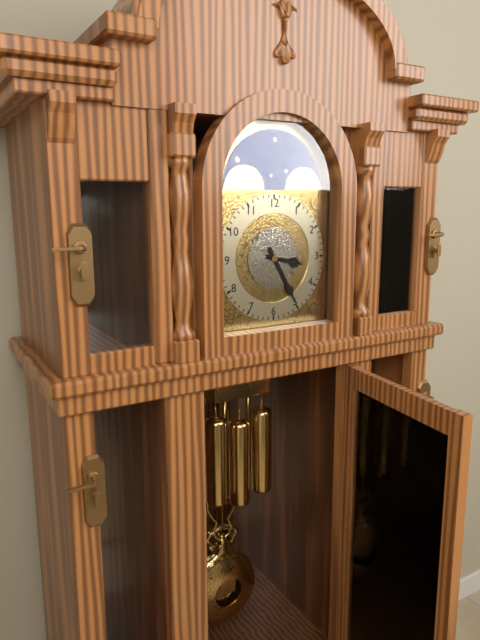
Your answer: 3.25
